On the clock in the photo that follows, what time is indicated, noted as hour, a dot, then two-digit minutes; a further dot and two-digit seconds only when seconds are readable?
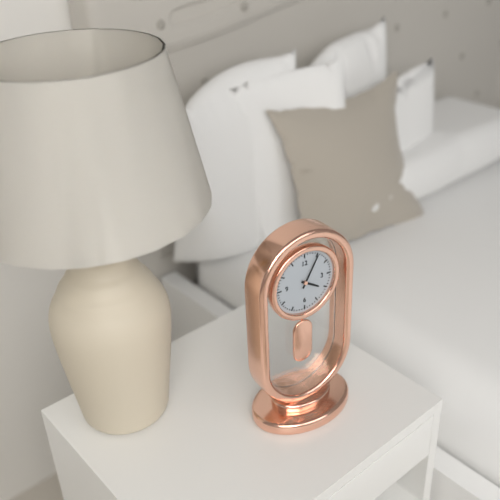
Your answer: 4.05
